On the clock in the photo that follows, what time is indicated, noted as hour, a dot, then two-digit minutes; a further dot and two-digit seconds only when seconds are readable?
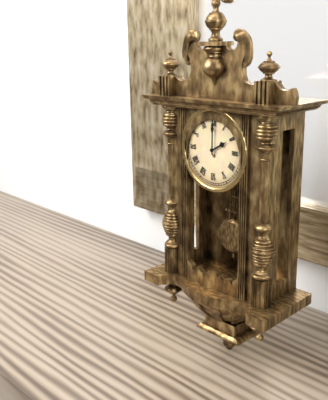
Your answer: 2.00
